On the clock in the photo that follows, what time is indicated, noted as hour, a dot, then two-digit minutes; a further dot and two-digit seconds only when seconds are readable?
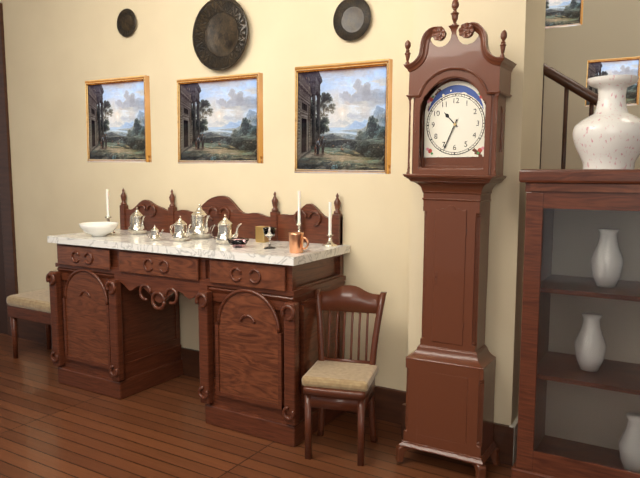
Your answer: 10.34
